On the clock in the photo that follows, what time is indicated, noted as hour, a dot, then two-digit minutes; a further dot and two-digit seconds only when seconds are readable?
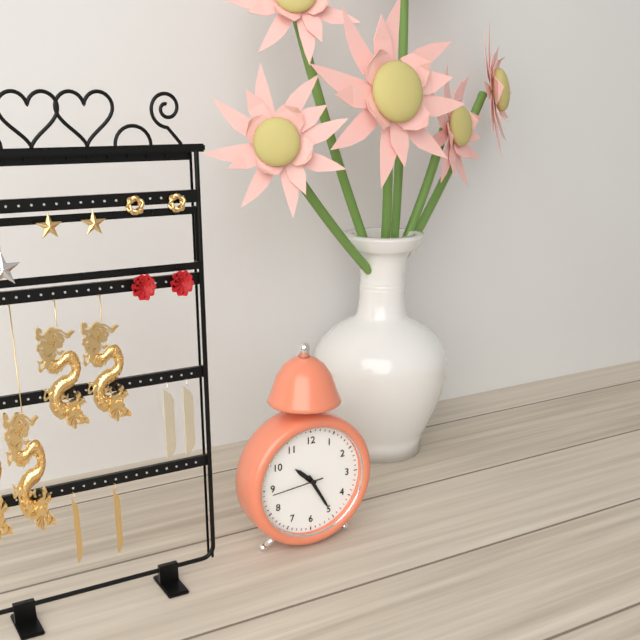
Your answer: 10.25.44
